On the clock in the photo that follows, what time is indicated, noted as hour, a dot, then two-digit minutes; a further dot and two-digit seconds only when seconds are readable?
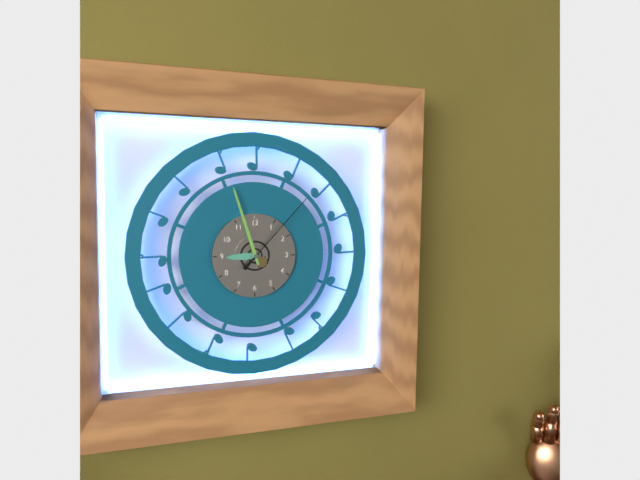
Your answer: 8.57.07
